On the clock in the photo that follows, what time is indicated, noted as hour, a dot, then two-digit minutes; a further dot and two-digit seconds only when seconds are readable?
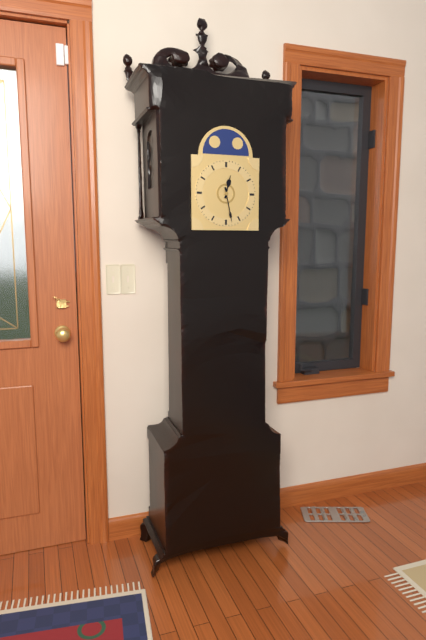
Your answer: 12.28
